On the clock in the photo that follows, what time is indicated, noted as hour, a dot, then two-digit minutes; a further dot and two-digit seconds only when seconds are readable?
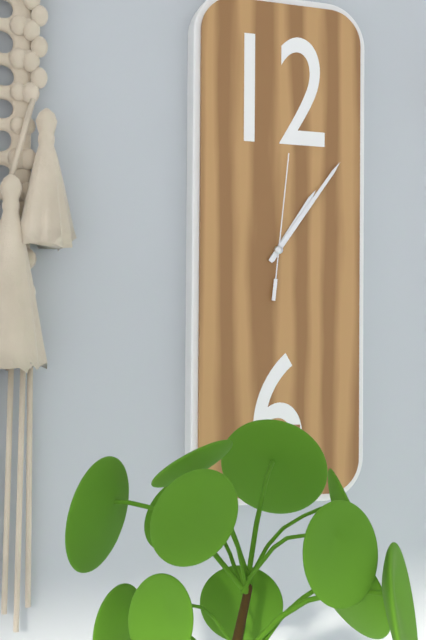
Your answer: 1.06.01
